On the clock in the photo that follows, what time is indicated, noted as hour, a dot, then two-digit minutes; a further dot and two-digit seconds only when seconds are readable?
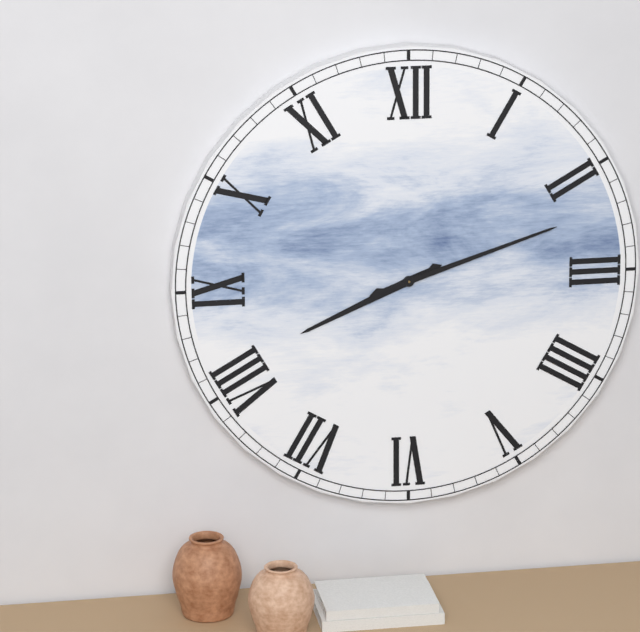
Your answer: 8.12
